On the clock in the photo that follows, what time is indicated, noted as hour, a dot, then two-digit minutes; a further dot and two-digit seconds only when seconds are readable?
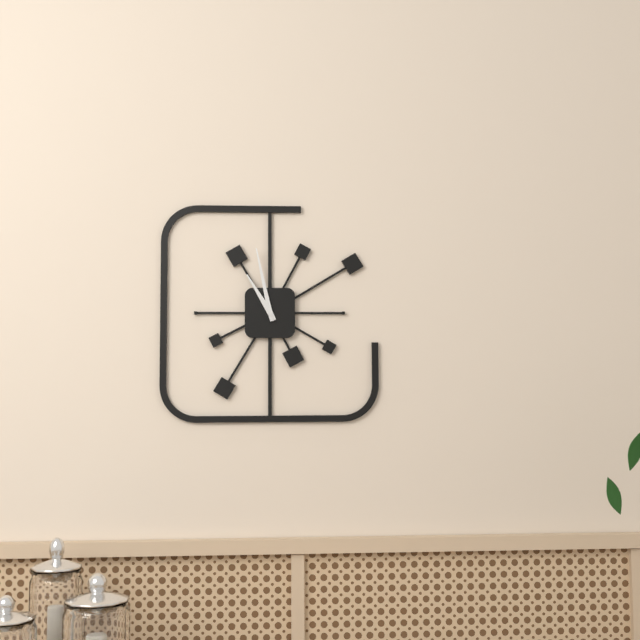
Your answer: 10.58
